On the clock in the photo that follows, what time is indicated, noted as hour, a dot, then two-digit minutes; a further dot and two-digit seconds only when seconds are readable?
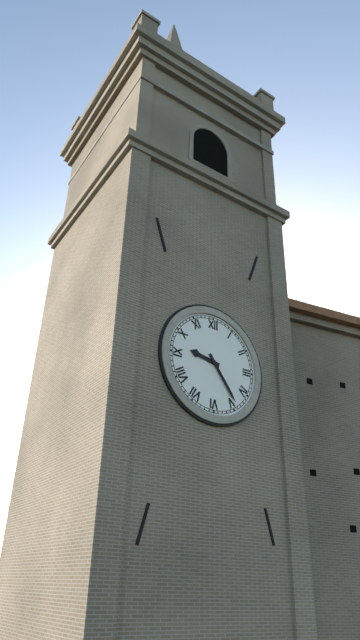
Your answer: 9.24
